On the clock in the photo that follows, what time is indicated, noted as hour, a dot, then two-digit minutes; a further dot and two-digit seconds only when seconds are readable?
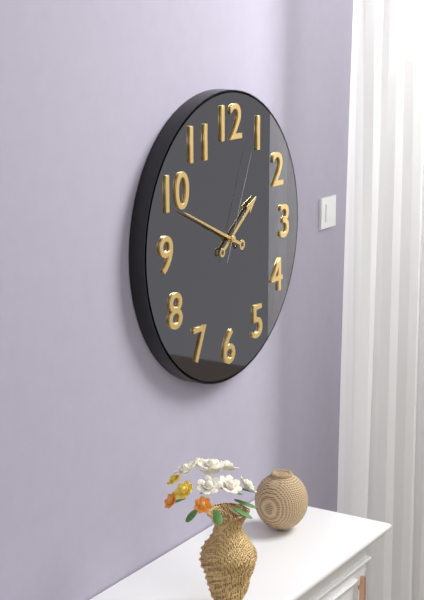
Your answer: 1.49.04
